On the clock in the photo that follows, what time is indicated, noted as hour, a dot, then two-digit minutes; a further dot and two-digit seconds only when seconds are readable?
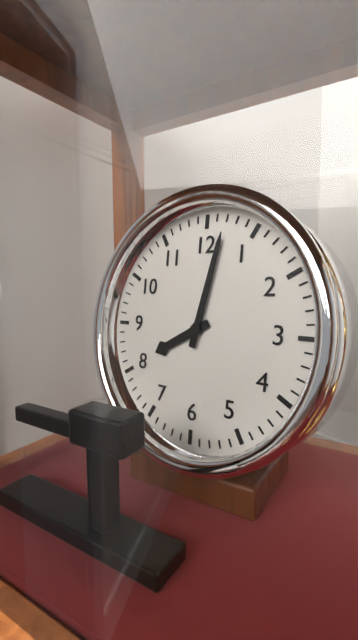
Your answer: 8.02
